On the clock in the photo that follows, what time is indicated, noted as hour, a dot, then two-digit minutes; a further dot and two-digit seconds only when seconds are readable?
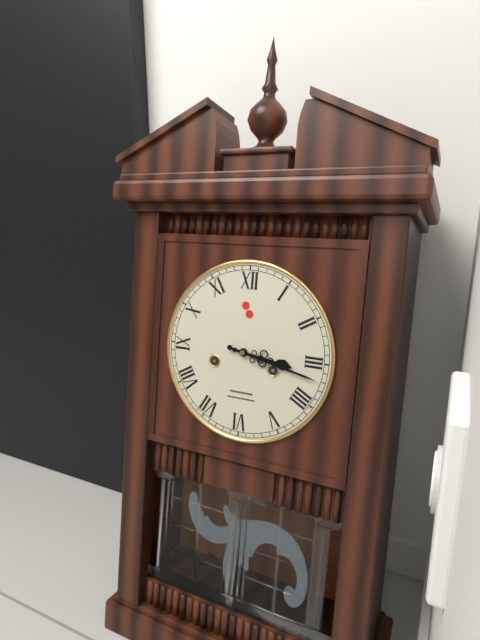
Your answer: 3.17
